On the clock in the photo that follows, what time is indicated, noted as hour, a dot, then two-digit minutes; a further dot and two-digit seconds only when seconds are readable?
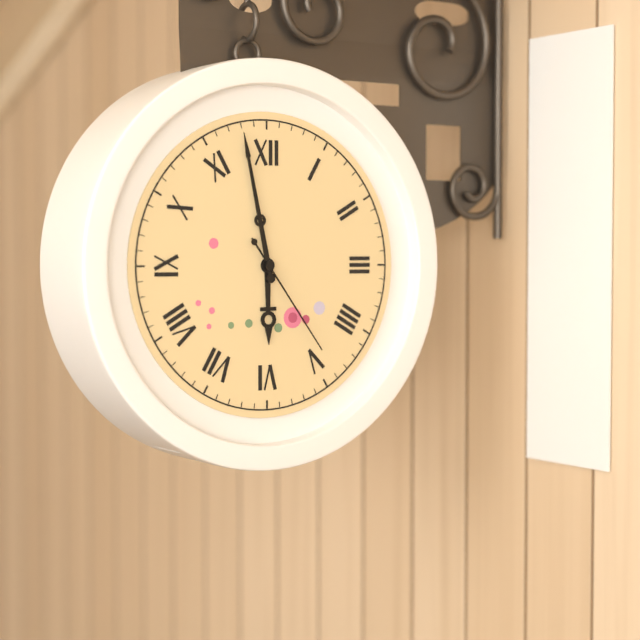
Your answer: 5.58.24
